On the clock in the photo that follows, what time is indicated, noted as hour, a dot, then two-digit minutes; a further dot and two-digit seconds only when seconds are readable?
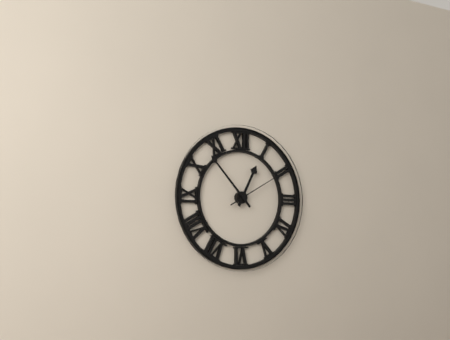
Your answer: 12.53.10
